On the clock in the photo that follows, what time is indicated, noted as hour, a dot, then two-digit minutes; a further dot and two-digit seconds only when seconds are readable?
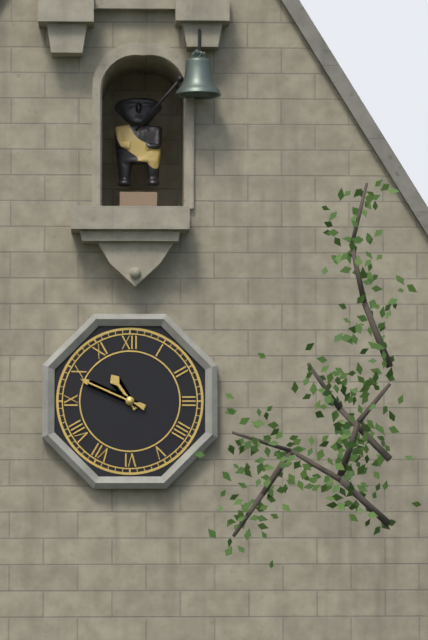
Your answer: 10.49
